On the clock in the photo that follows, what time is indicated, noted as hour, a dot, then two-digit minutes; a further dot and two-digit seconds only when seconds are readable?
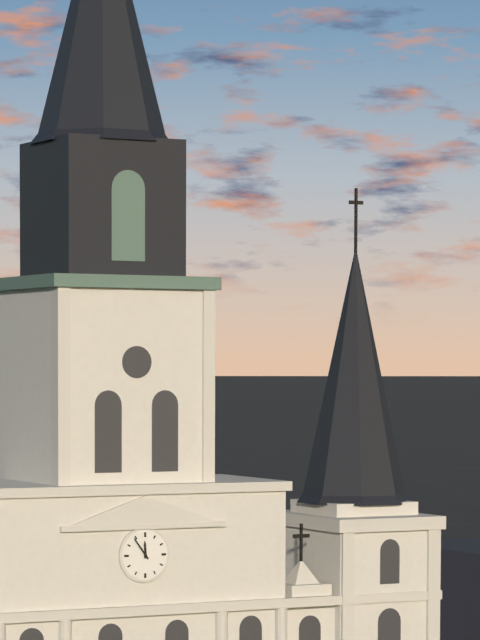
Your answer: 11.54
